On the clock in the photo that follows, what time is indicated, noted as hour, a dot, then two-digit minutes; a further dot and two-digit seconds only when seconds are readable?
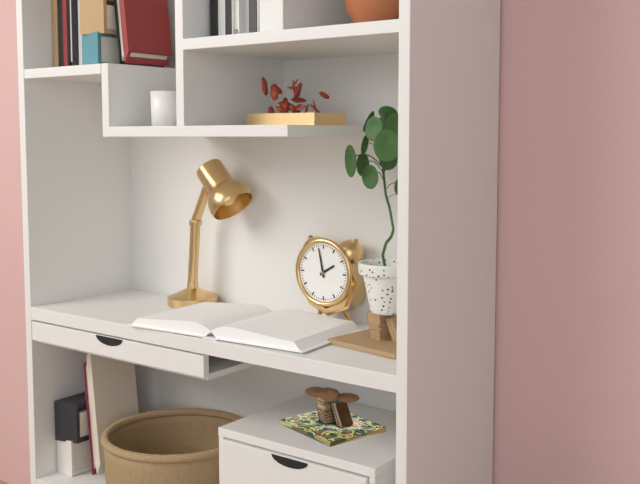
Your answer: 1.58
